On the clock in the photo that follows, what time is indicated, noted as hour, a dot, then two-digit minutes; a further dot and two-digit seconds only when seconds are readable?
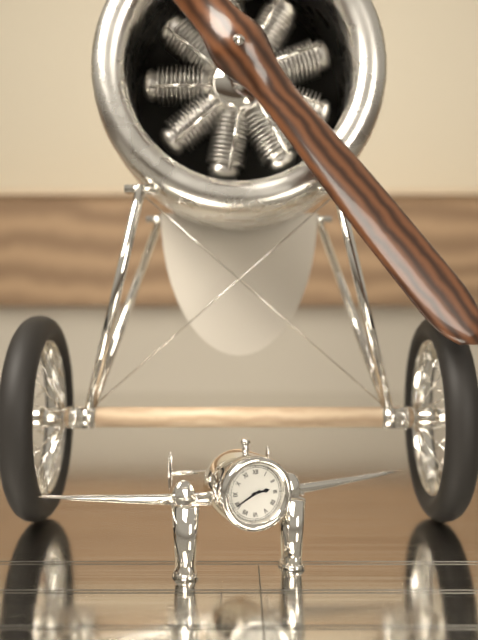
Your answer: 2.40
